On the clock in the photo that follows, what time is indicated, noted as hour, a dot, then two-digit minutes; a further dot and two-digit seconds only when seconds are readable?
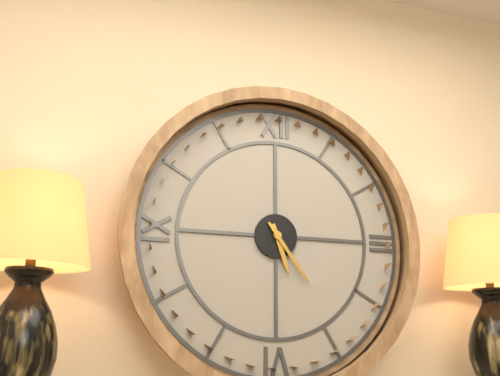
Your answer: 5.24
